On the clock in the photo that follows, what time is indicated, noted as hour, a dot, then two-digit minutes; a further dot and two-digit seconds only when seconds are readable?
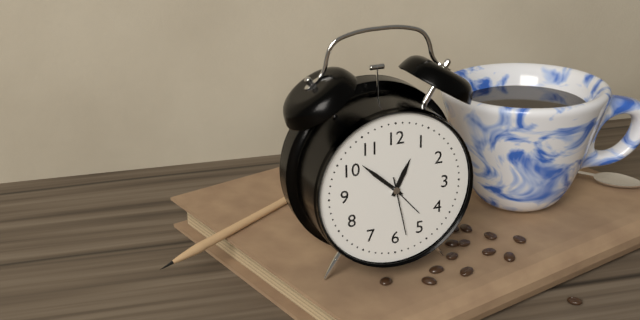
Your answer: 12.52.28
